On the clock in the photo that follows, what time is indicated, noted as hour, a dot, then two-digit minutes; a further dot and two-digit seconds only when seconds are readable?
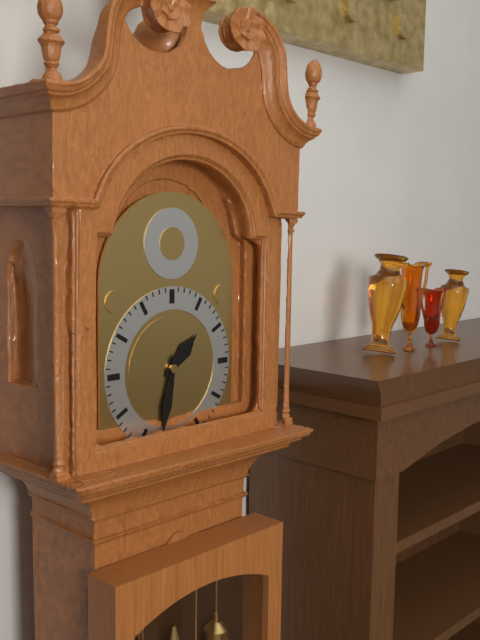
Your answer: 1.32
